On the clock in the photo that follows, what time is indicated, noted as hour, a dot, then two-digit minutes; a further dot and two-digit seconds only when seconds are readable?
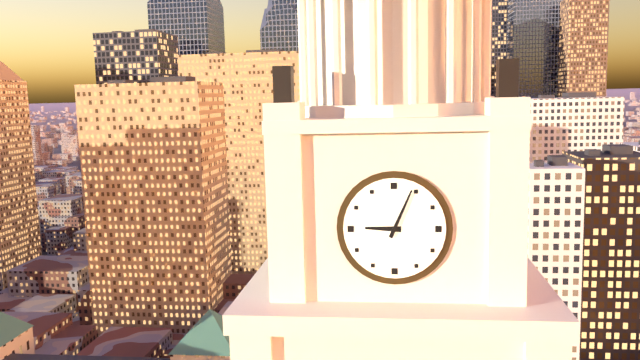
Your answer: 9.04
